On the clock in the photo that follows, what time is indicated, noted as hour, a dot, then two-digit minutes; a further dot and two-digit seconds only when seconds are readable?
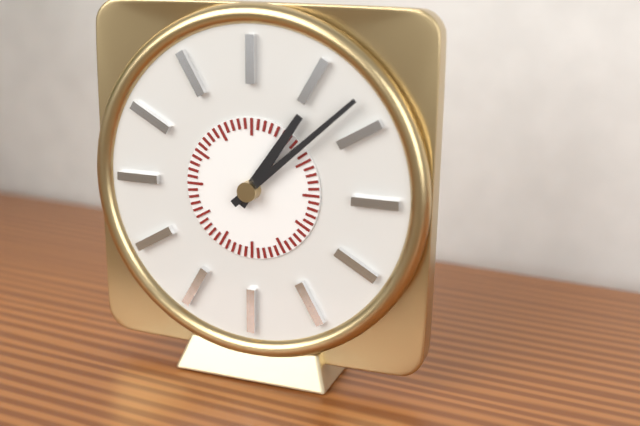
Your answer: 1.08
